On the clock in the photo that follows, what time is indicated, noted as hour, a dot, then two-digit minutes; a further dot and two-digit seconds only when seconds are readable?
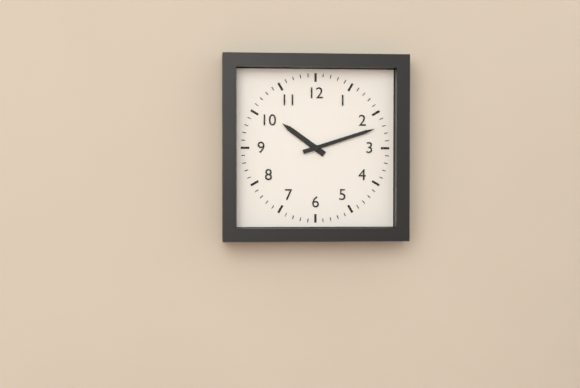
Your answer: 10.12
